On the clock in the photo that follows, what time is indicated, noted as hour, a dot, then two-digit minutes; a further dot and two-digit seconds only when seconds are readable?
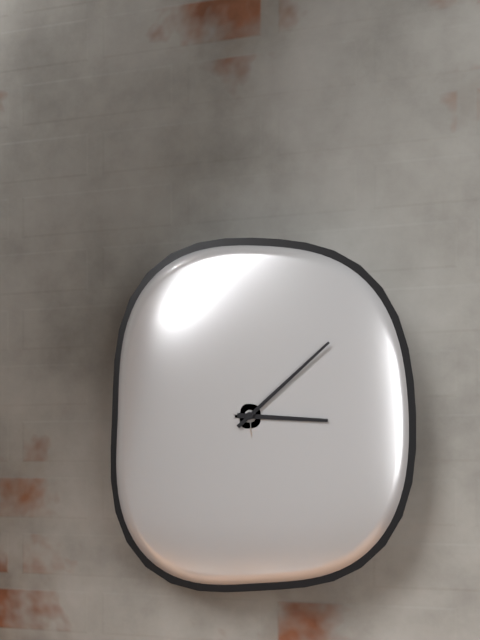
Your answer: 3.08
